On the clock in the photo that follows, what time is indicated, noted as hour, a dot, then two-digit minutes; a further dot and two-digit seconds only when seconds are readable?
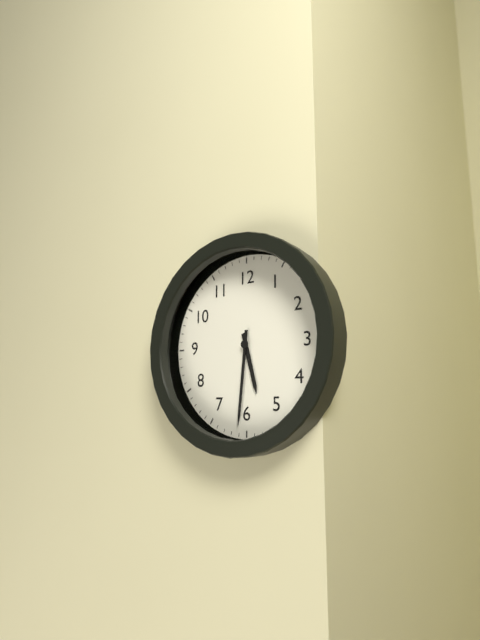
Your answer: 5.31
